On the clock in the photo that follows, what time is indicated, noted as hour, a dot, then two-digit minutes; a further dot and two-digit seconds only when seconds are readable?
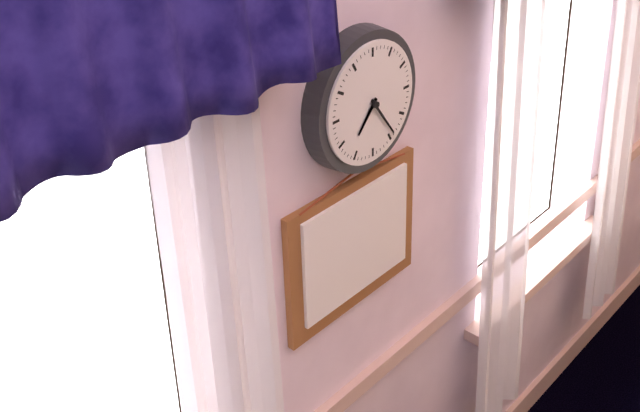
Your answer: 7.24
